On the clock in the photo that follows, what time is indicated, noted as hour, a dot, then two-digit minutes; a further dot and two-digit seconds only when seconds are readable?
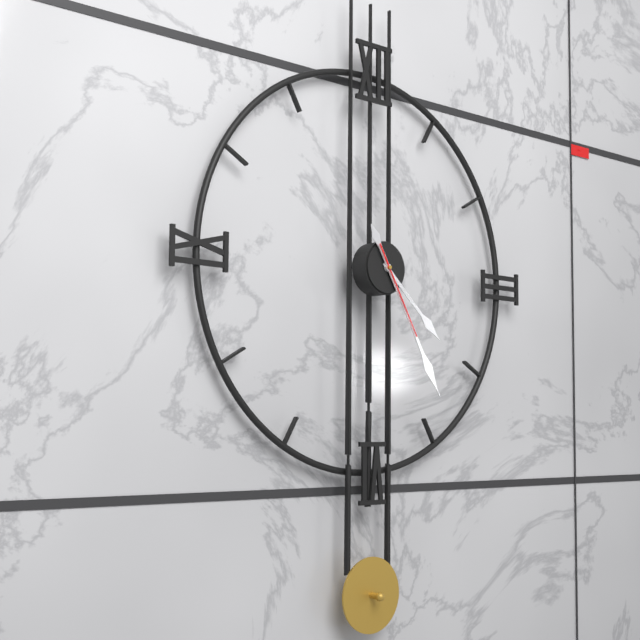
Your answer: 4.25.25
